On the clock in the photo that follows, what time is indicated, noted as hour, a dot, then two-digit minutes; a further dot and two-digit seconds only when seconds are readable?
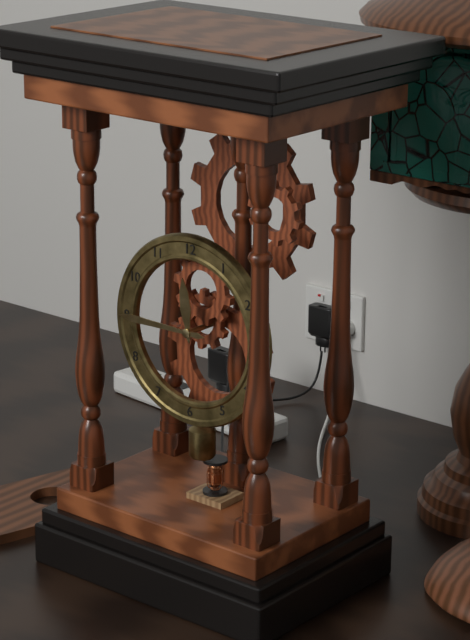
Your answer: 11.45
